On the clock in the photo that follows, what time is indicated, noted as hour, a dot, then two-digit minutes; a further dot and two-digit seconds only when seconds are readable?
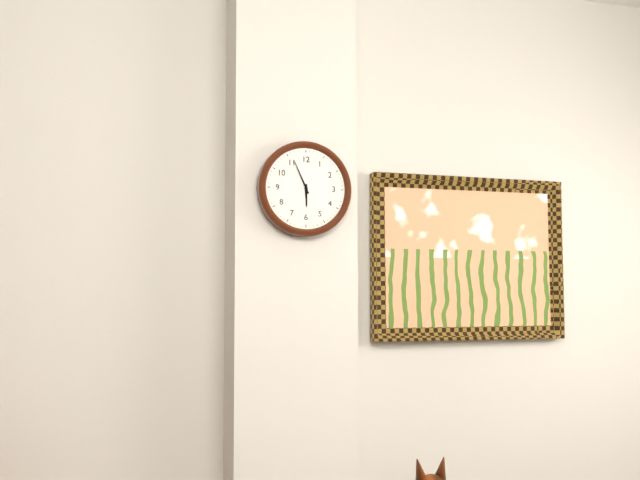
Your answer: 5.56
